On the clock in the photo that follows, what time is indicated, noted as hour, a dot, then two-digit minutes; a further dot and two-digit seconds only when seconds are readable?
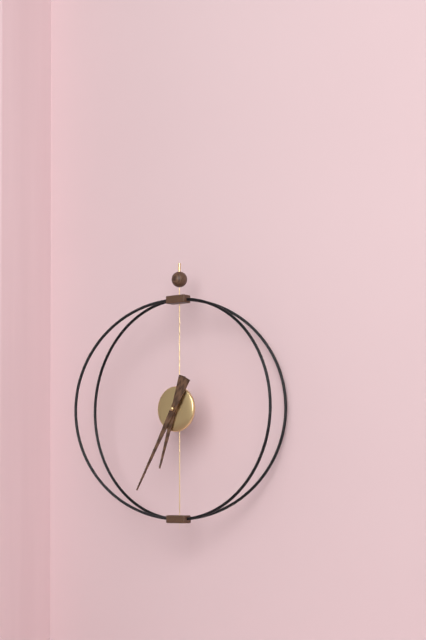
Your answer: 6.35
